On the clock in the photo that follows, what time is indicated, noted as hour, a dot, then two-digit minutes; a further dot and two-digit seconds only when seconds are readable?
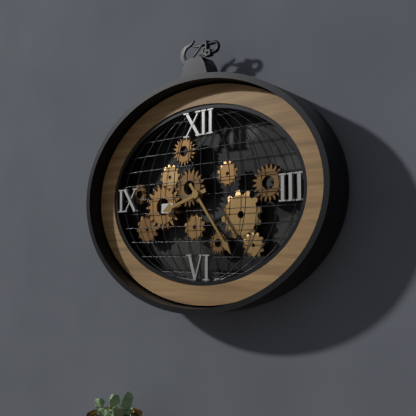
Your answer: 8.24
